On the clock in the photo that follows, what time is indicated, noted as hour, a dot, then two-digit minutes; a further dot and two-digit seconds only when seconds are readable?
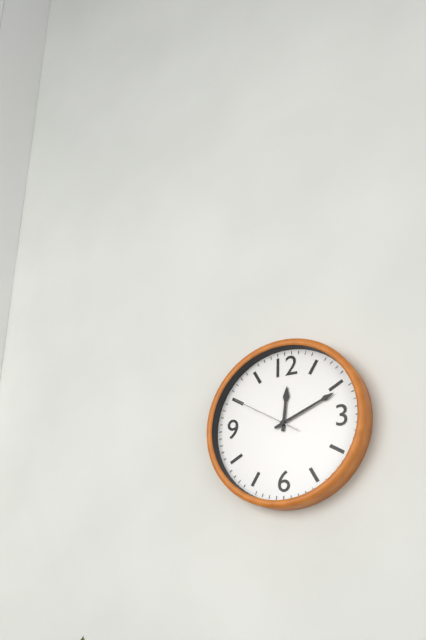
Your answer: 12.11.50
